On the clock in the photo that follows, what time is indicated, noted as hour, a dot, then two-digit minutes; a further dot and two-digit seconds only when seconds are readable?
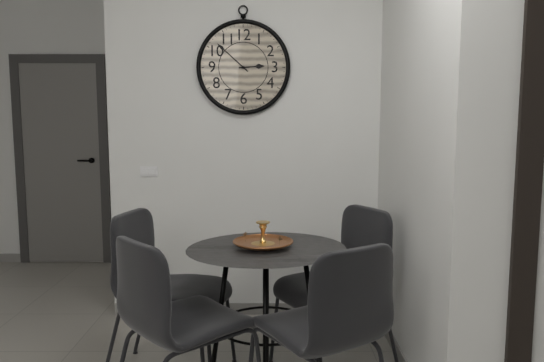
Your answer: 2.52
